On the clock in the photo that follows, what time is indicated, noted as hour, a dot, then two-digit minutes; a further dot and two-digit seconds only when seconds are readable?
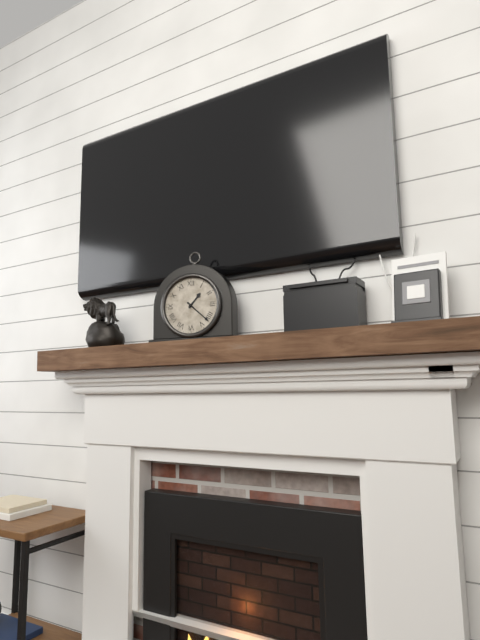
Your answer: 1.22
